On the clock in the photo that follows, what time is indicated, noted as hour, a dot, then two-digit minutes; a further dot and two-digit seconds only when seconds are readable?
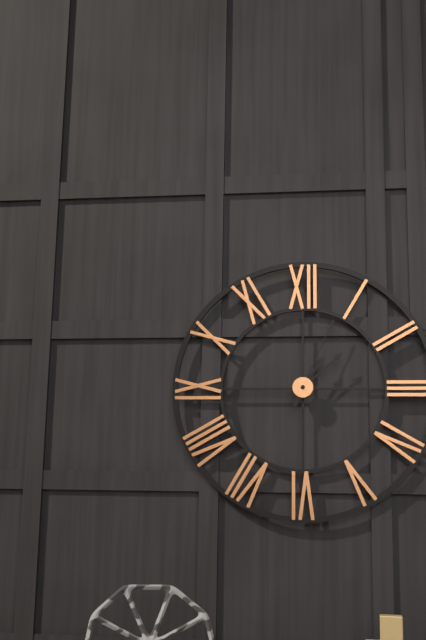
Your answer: 1.08.04
